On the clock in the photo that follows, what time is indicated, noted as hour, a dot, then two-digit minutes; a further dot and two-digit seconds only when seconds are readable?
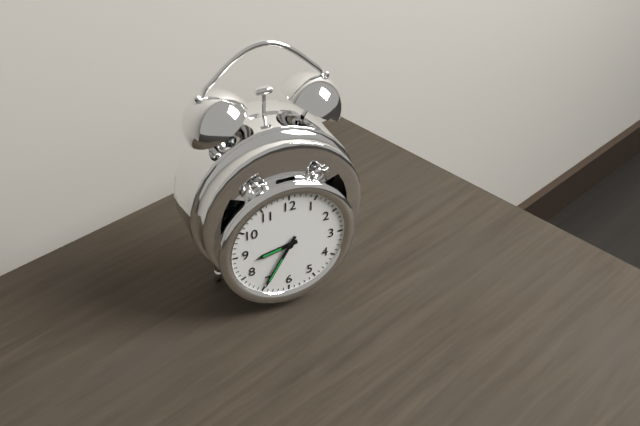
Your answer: 8.35
